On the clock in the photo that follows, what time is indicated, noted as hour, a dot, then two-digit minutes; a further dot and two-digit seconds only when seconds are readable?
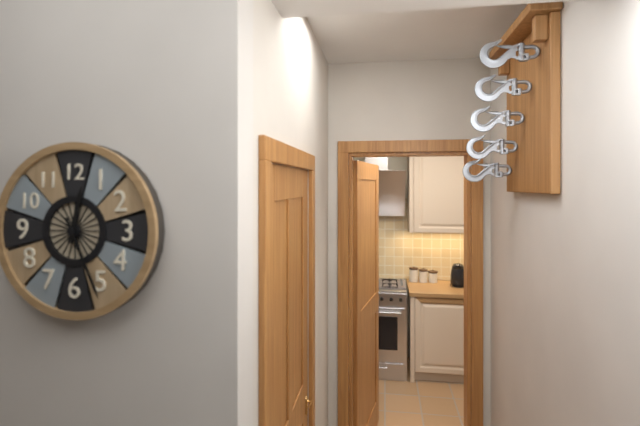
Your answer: 12.26
